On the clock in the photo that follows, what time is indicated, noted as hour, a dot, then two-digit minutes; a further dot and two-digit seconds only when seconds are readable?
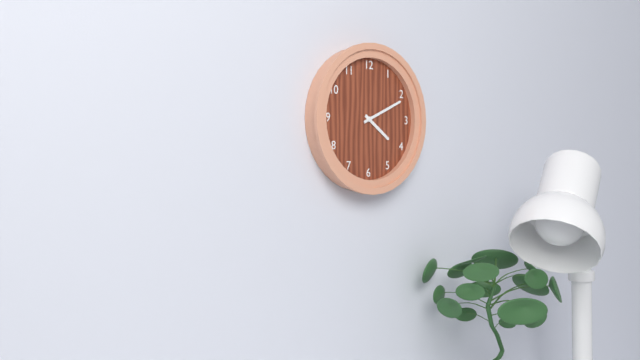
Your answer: 4.11
